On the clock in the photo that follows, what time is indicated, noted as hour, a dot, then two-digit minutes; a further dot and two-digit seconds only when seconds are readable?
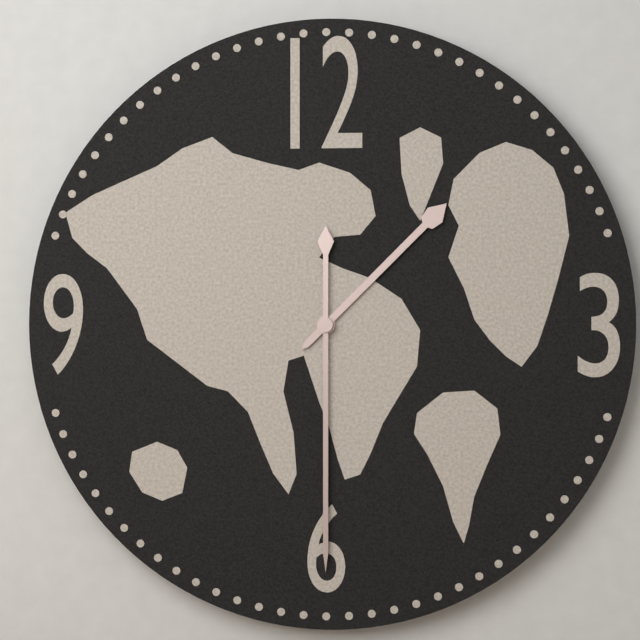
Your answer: 1.30
